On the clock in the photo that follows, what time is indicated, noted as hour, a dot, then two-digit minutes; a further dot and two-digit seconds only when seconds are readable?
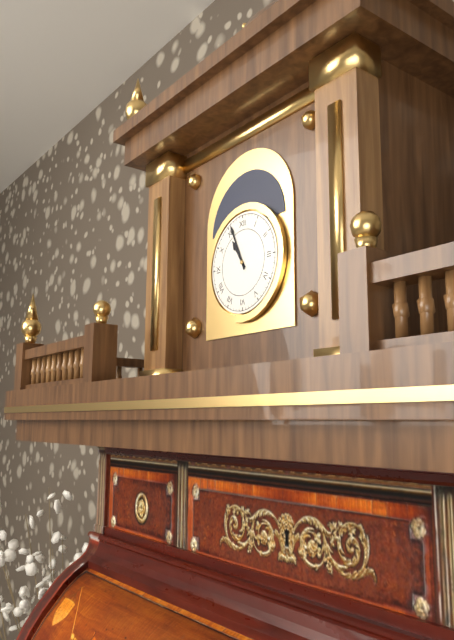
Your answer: 10.56
